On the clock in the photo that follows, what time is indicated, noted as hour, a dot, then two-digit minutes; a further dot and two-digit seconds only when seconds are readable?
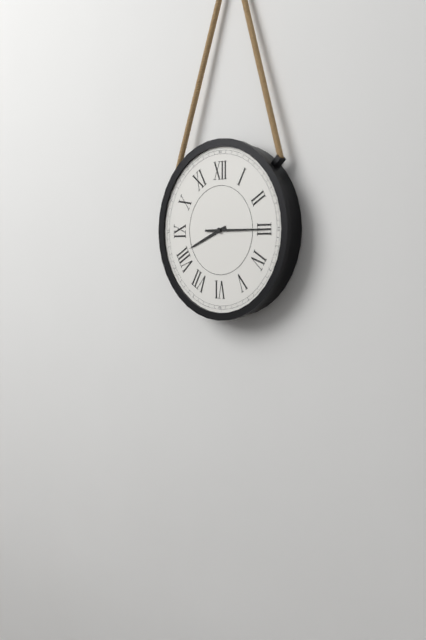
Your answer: 8.15
